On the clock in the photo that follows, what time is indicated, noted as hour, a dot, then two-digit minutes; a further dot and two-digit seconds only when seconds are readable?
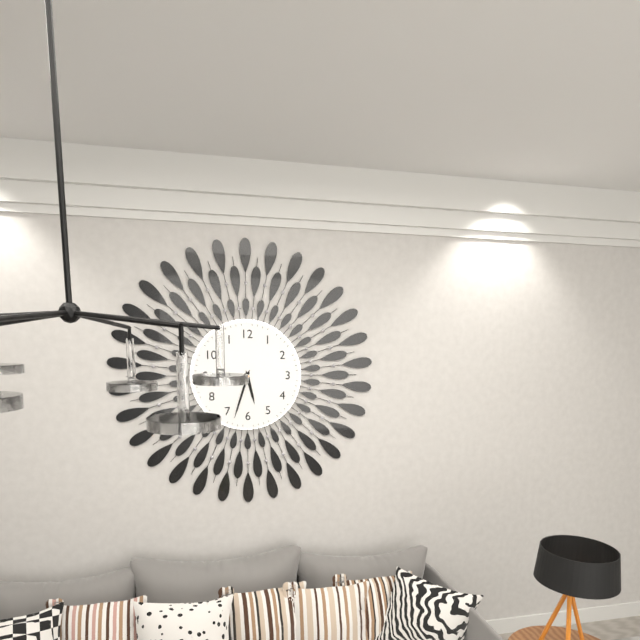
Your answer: 5.33
